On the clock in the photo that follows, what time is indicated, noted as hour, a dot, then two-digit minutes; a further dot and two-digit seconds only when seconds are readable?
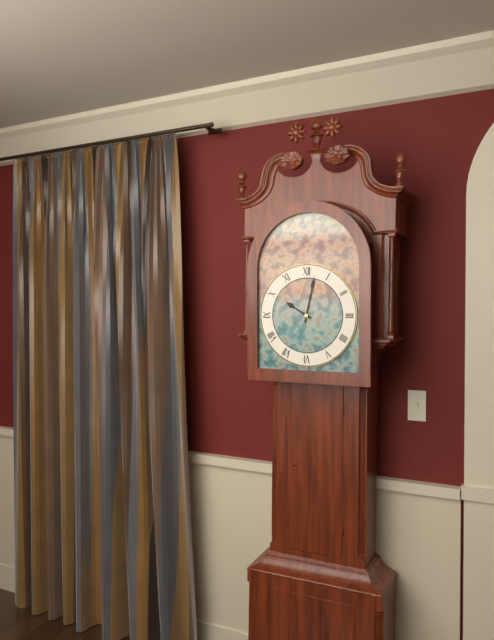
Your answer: 10.02
